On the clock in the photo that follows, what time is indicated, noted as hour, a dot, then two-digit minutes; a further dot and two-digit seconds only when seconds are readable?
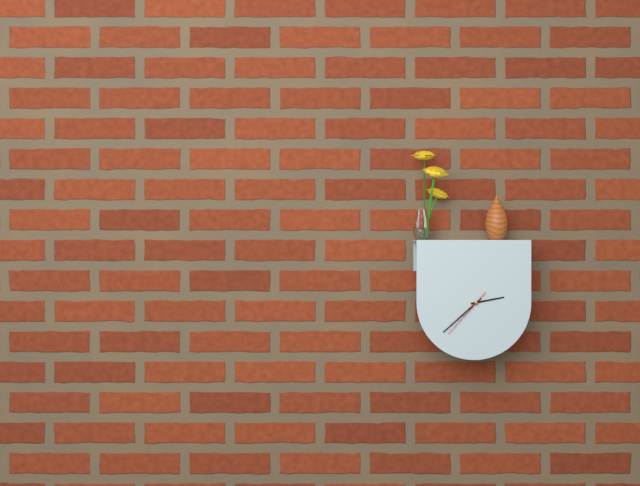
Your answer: 2.38.37
